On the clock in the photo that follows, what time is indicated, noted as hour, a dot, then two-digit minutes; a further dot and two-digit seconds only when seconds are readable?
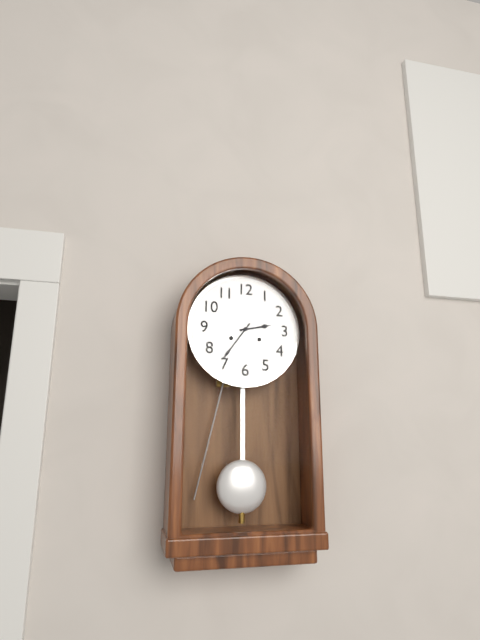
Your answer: 2.36
